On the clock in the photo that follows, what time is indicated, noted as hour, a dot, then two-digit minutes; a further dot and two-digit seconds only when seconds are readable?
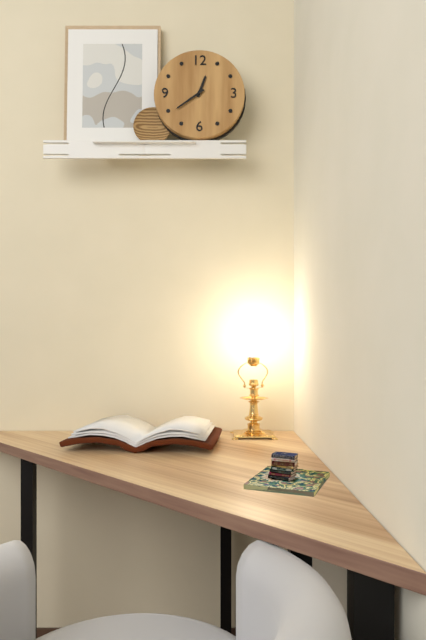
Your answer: 12.39
